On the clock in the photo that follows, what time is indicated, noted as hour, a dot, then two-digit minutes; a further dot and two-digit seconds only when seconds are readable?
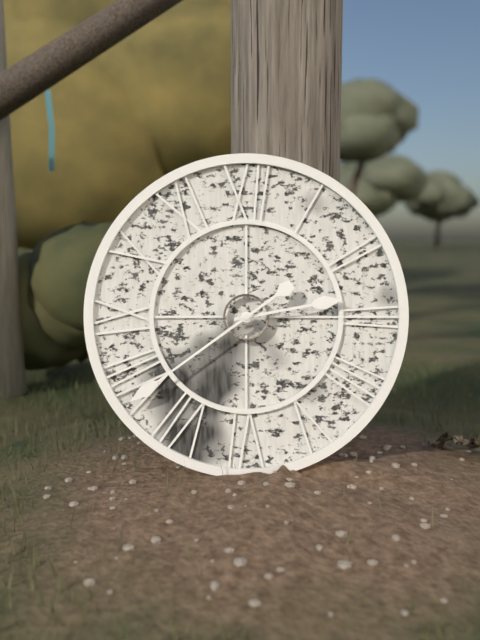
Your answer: 2.39
